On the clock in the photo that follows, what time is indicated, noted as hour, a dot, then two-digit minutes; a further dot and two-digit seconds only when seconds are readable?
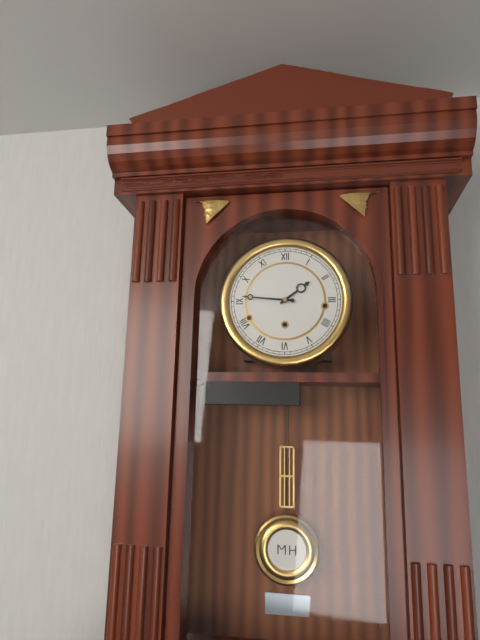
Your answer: 1.46
